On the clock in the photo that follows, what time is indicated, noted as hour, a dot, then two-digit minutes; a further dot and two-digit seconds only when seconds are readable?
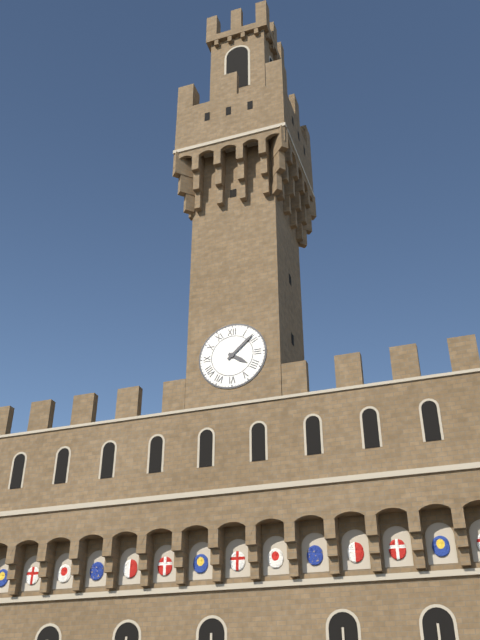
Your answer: 4.08
